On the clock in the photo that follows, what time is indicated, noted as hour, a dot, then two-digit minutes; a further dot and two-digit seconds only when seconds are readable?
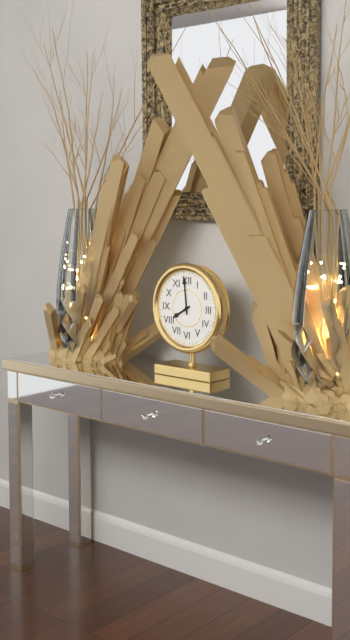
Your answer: 7.59
